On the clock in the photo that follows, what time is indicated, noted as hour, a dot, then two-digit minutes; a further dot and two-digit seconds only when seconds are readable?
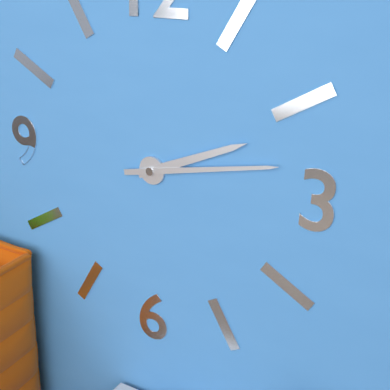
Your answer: 2.13
